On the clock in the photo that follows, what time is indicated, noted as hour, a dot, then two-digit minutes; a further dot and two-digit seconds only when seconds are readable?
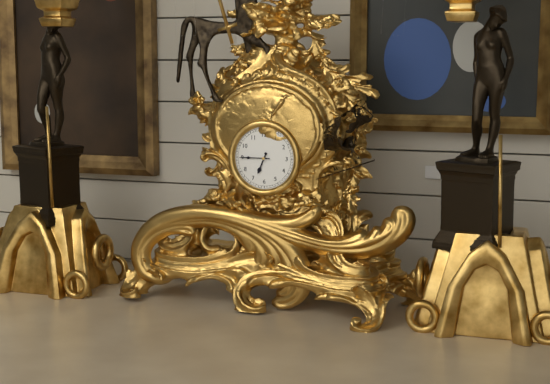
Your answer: 6.45
